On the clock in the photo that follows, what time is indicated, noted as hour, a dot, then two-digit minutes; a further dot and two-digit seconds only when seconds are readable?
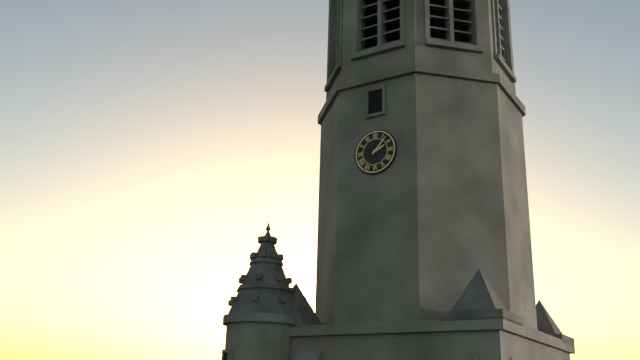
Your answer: 2.07
